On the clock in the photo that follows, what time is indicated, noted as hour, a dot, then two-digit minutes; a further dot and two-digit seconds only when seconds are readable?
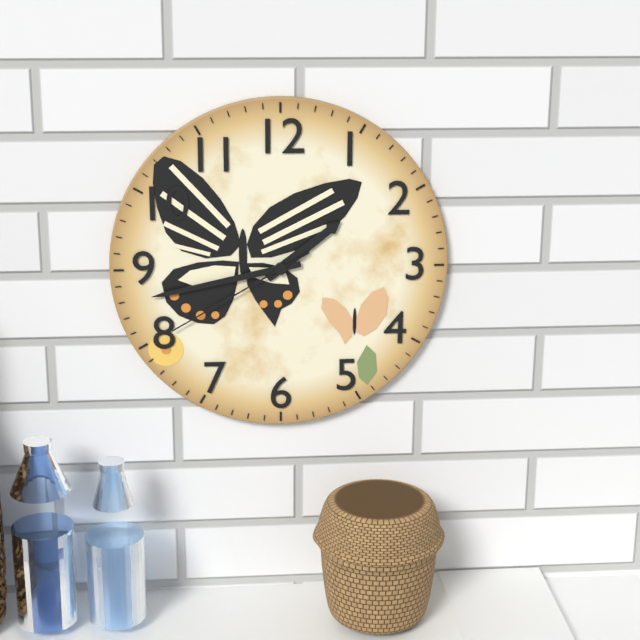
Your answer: 1.43.40
